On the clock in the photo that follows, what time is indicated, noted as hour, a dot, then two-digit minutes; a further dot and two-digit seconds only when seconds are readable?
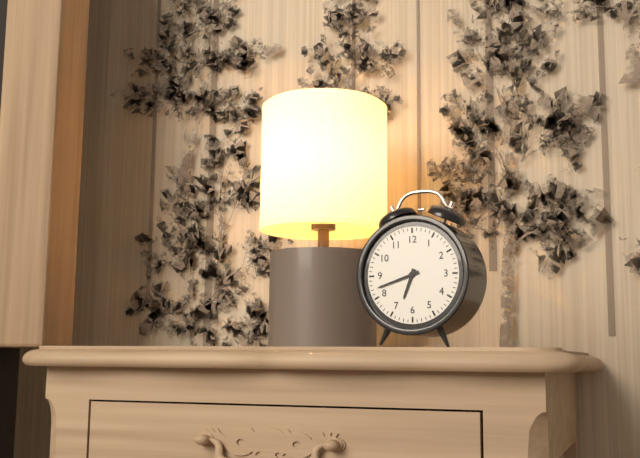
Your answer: 6.42
